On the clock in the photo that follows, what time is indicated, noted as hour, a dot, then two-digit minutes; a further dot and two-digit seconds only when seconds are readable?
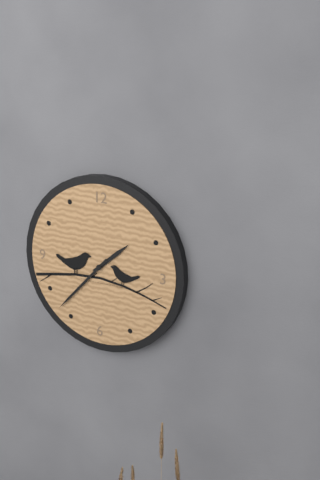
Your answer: 1.37
